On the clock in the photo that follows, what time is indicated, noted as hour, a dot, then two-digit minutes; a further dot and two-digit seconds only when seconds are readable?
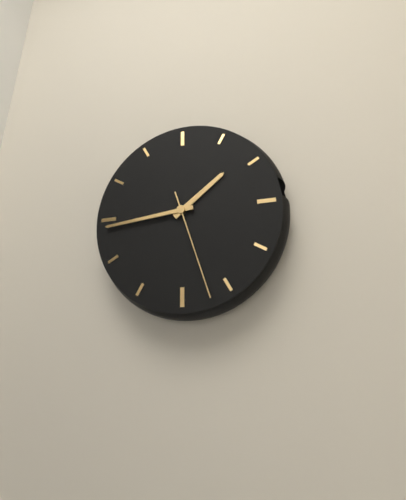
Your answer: 1.44.27
